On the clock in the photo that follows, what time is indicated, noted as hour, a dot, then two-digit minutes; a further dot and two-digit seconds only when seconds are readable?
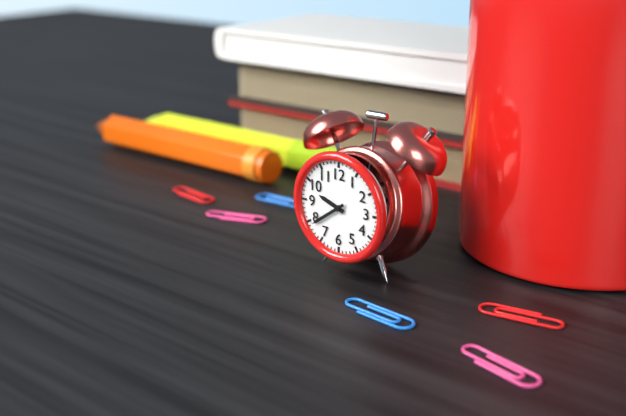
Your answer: 9.39
